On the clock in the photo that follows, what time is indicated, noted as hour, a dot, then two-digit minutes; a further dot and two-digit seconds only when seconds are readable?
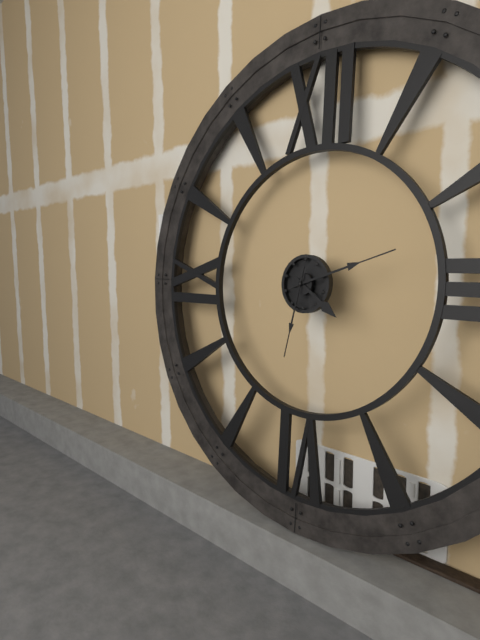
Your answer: 4.12.32
